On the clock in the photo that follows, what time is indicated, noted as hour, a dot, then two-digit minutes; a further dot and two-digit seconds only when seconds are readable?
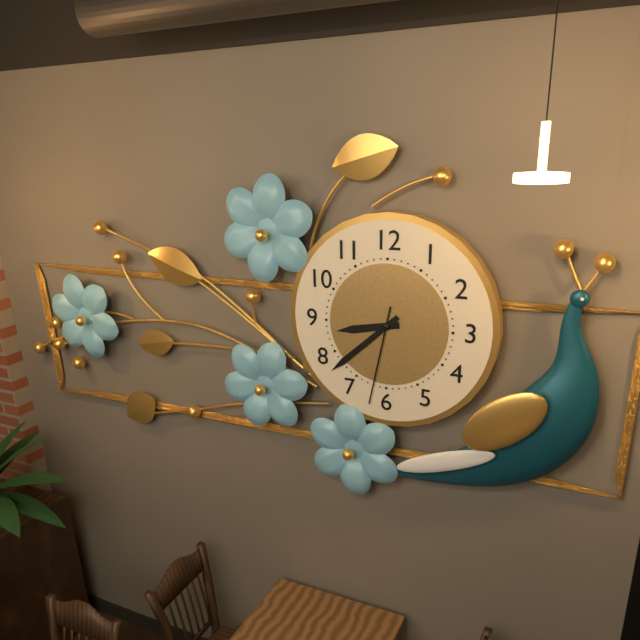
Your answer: 8.38.32
